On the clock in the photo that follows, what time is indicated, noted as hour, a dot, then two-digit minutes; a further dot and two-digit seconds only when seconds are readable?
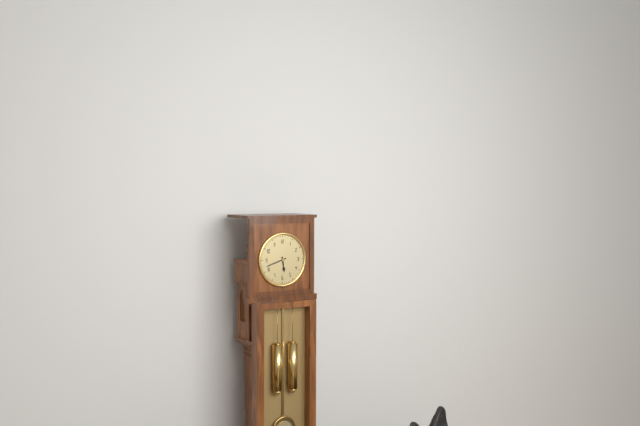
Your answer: 5.42
